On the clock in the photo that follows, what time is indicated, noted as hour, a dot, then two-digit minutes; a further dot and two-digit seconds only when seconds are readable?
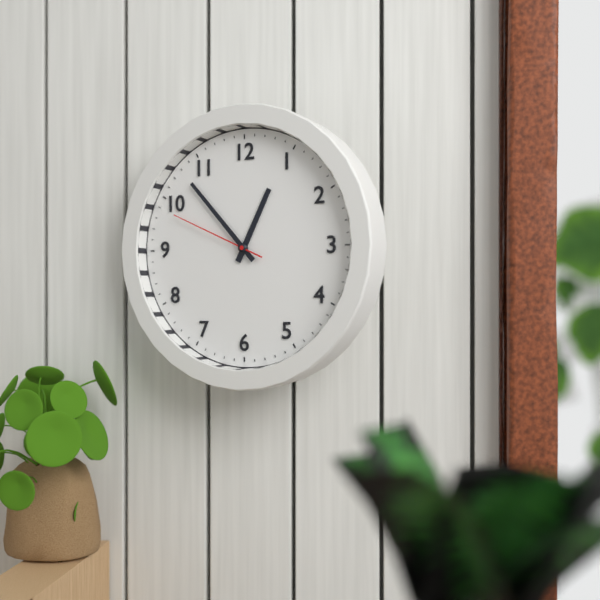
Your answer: 12.53.49
